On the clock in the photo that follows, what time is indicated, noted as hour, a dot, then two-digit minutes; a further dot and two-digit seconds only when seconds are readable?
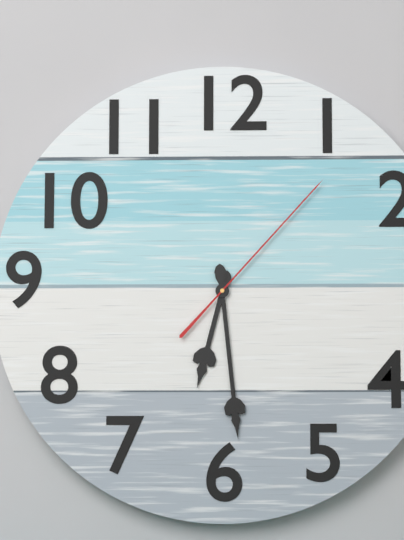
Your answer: 6.29.07
